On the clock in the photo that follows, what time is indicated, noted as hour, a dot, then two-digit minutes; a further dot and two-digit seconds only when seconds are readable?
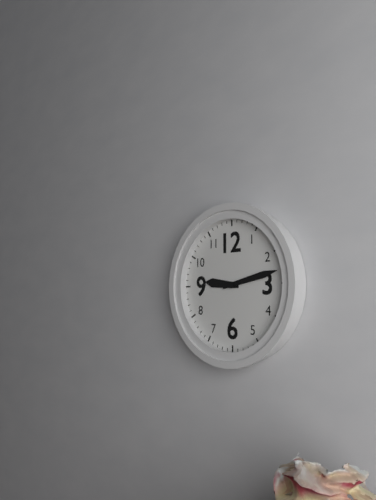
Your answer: 9.13
